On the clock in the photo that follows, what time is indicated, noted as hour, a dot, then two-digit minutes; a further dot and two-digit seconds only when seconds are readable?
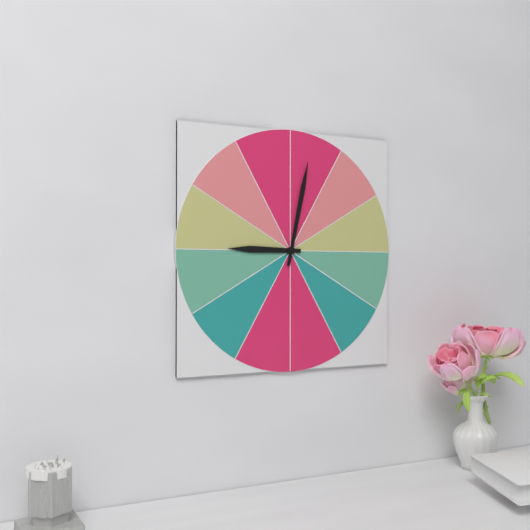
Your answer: 9.02
